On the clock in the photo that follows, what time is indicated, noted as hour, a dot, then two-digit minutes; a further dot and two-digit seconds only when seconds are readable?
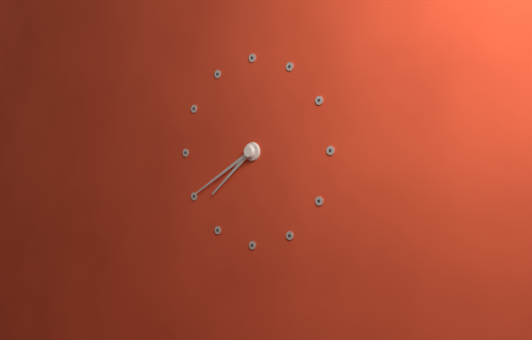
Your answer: 7.40
